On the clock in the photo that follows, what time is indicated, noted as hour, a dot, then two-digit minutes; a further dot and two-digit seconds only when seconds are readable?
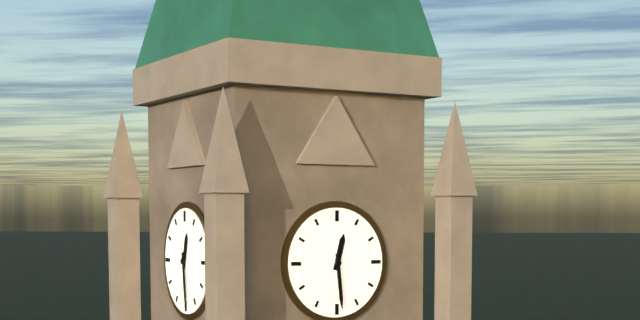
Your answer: 12.29
